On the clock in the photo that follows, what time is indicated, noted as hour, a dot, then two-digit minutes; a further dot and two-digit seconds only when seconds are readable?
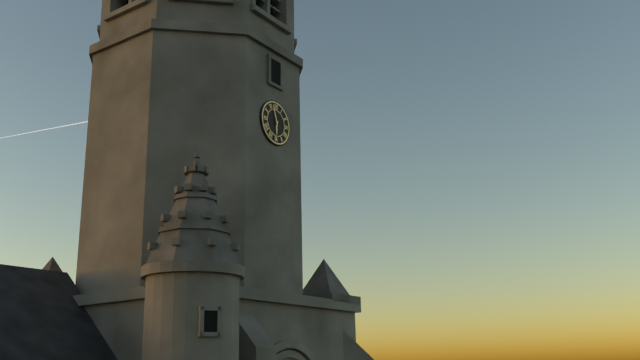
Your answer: 5.57
